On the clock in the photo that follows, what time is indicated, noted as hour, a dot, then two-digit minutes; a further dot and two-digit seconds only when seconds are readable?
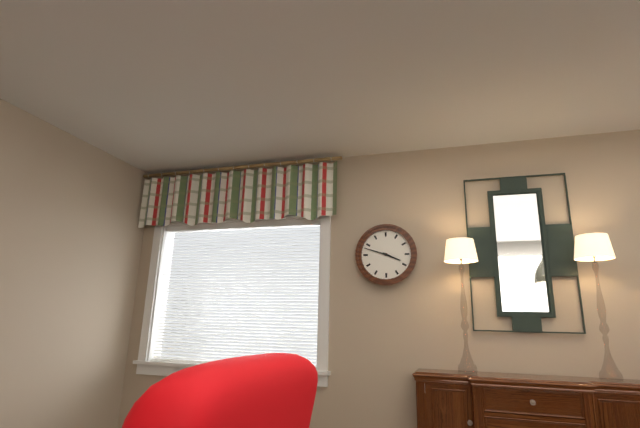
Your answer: 3.48
